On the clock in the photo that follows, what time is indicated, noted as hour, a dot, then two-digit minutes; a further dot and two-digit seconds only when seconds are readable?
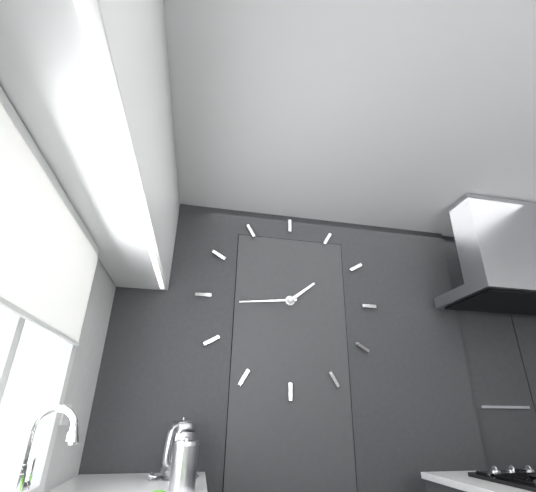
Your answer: 1.44
